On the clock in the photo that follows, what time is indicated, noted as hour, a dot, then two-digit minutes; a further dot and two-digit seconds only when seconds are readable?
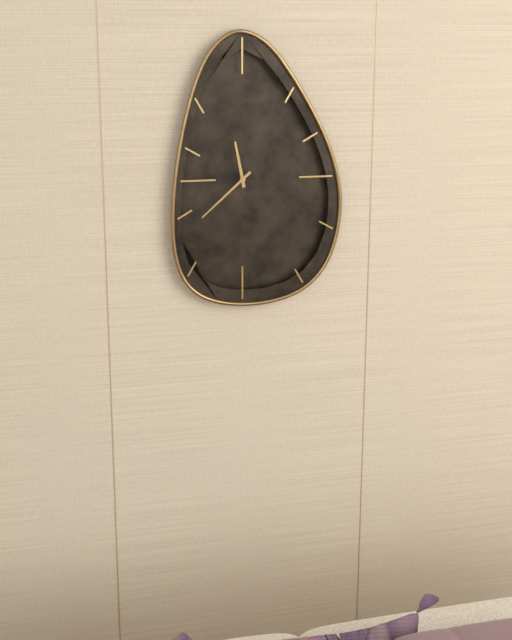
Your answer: 11.38
